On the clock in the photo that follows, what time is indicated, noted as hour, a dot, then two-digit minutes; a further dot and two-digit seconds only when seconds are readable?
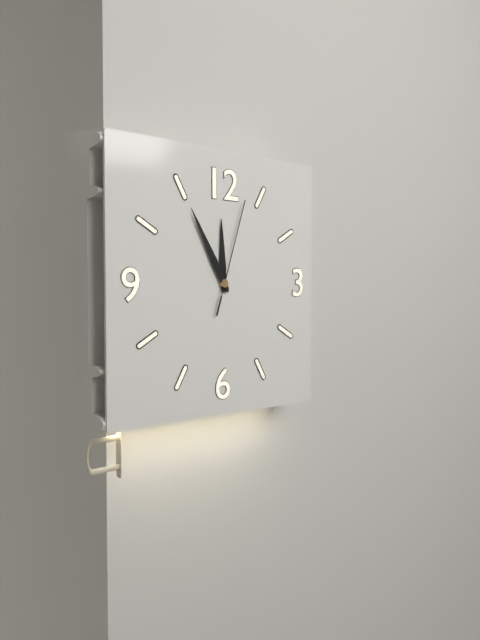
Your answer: 11.55.03
